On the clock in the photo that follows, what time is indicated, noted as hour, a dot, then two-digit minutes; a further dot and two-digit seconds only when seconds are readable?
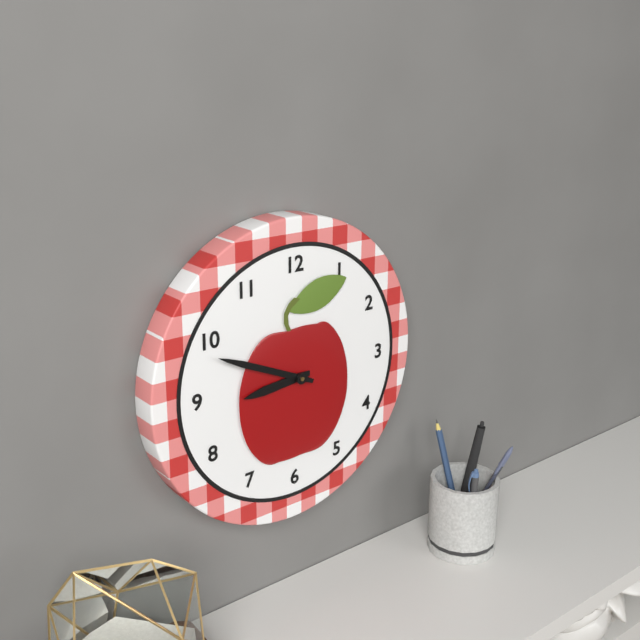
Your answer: 8.49
